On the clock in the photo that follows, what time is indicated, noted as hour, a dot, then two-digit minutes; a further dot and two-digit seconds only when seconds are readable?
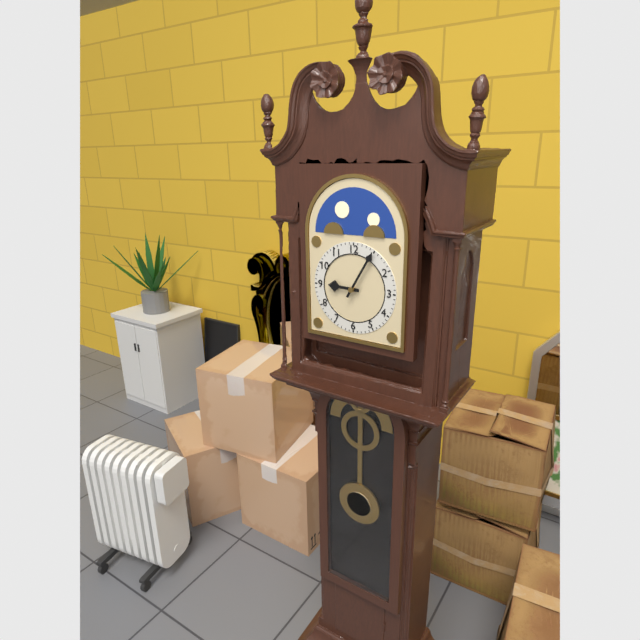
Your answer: 9.05
